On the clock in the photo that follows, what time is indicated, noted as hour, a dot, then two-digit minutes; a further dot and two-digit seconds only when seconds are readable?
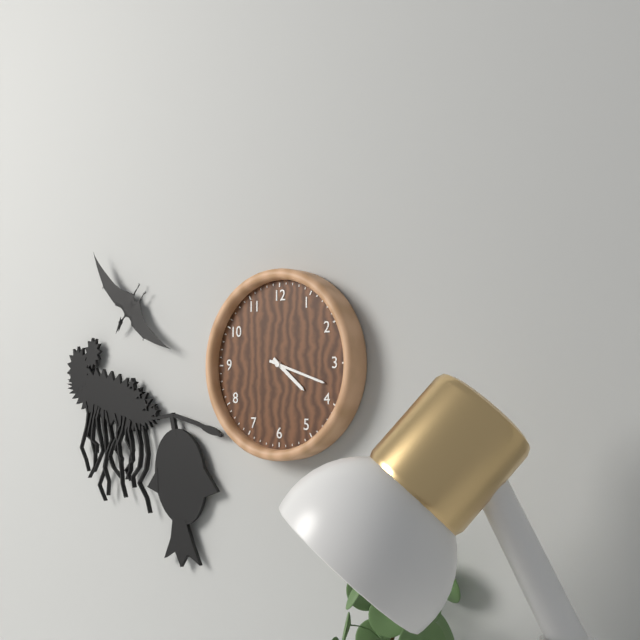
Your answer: 4.18
